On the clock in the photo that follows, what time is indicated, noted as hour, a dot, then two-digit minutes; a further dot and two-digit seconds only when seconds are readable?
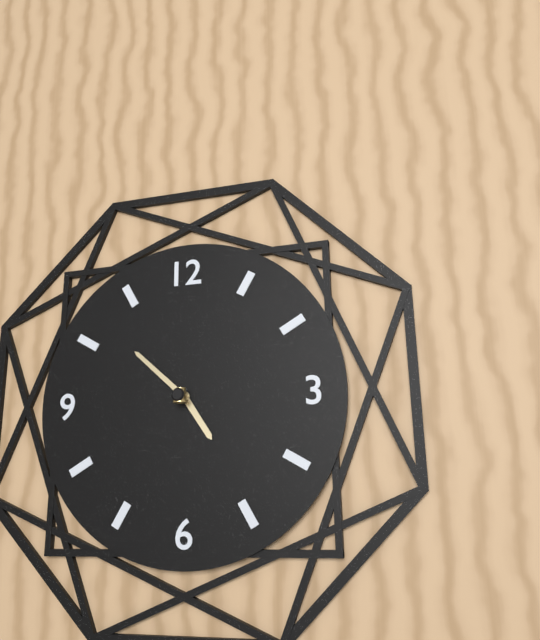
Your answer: 4.52
